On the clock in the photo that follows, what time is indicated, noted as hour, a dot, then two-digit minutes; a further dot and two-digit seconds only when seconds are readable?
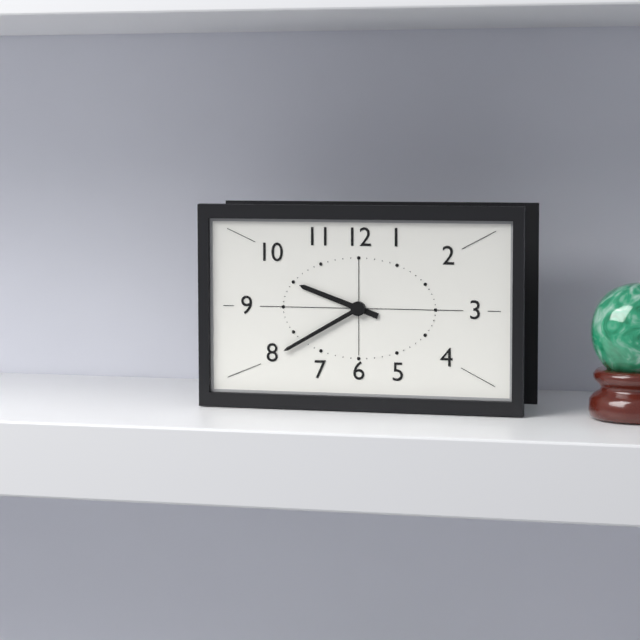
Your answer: 9.40
